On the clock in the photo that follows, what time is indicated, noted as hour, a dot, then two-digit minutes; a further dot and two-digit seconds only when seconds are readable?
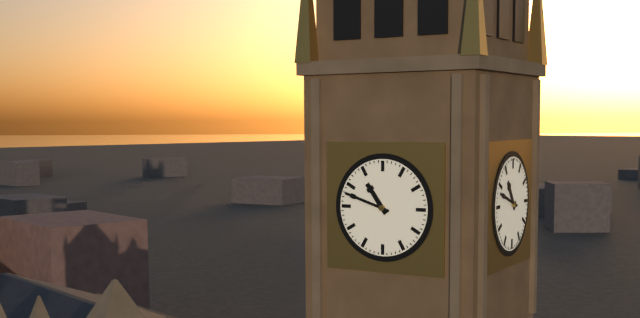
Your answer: 10.48
